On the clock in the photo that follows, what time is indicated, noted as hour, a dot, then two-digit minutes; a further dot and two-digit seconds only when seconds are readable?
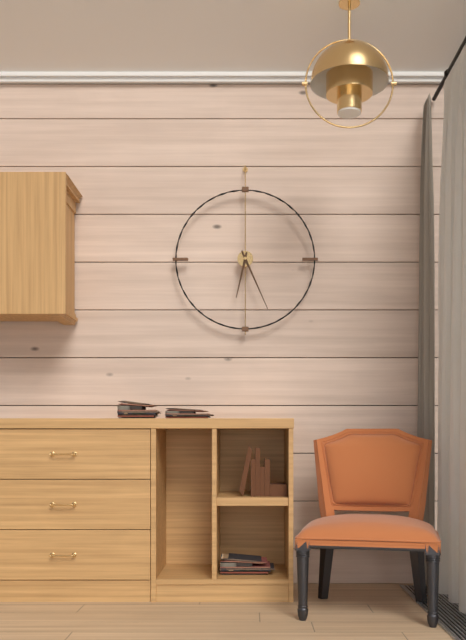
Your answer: 6.26
